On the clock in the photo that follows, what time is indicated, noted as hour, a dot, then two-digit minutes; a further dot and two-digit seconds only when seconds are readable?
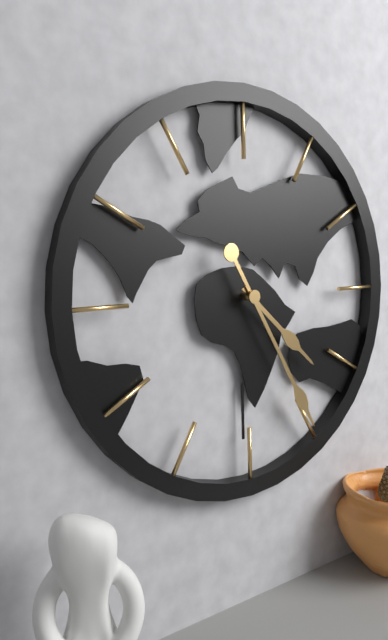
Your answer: 4.25
